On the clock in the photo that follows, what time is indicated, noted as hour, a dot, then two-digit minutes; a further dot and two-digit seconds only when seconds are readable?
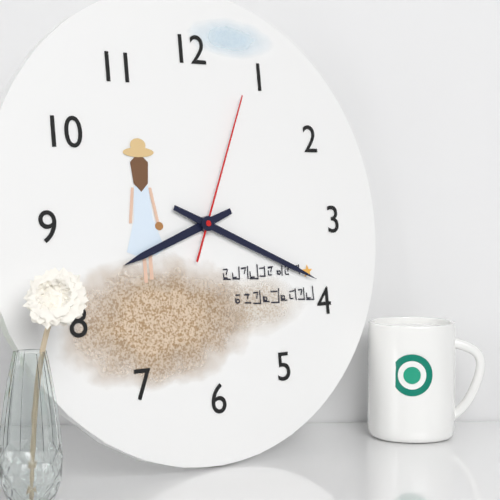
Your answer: 8.19.04
